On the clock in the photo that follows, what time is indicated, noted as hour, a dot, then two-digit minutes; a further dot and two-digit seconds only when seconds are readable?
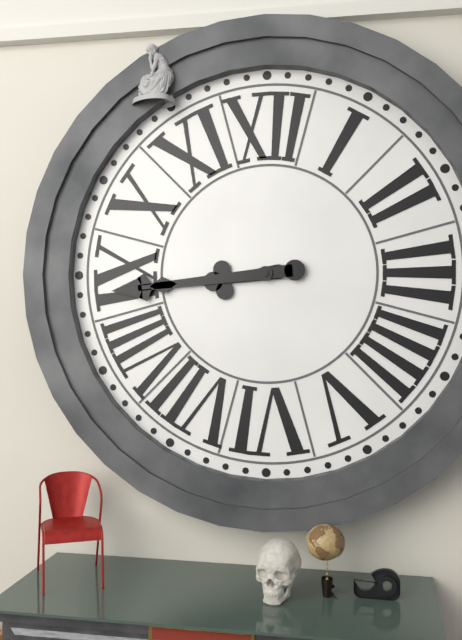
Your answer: 8.44
